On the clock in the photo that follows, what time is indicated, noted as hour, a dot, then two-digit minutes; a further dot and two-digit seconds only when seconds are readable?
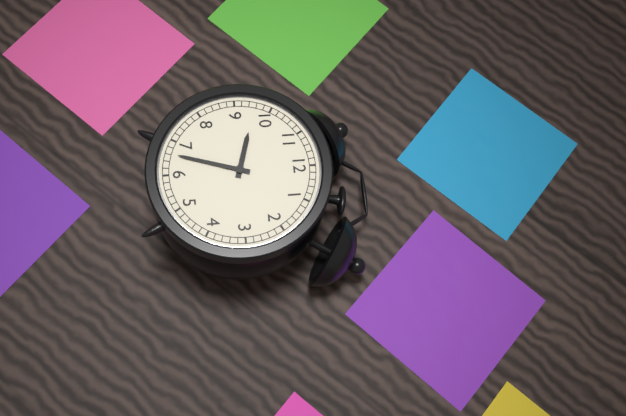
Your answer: 9.33
